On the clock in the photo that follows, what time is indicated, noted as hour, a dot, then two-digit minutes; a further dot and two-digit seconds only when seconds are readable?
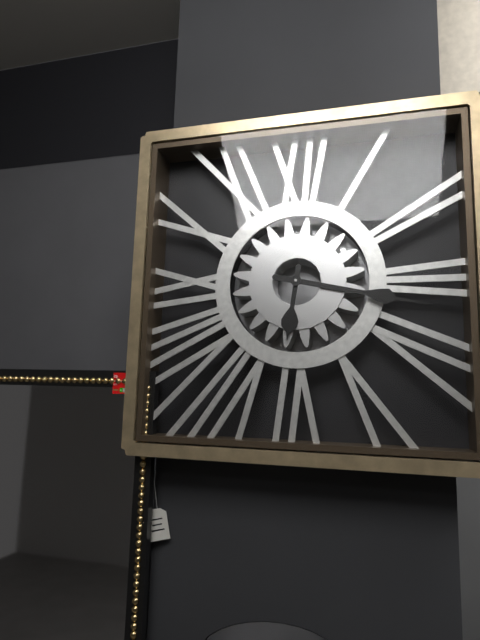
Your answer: 6.17
